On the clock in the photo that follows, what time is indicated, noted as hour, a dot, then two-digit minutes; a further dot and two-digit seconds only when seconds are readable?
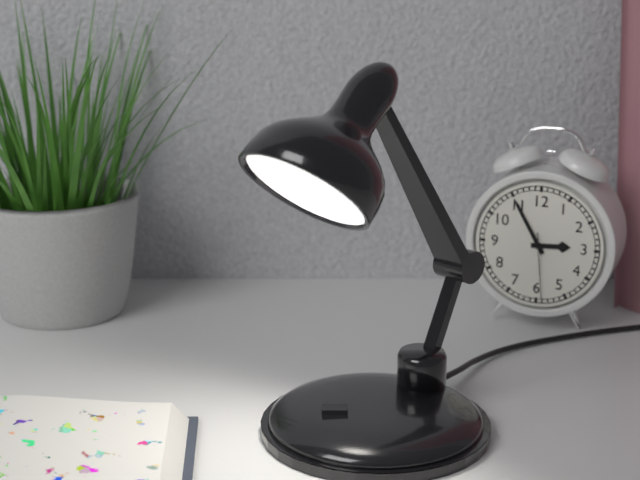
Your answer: 2.55.29
